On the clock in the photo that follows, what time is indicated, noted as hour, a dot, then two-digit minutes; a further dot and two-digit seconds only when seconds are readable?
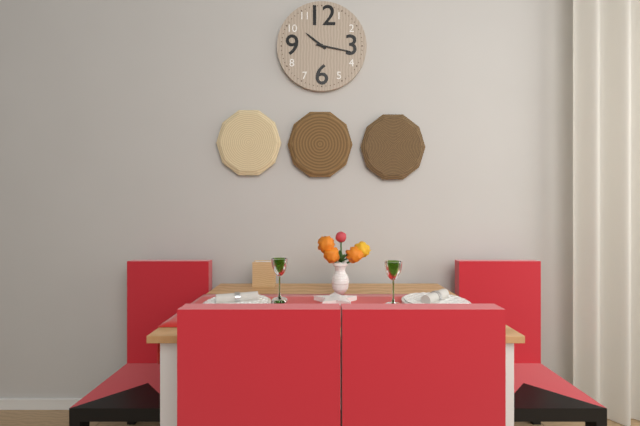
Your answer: 10.17
